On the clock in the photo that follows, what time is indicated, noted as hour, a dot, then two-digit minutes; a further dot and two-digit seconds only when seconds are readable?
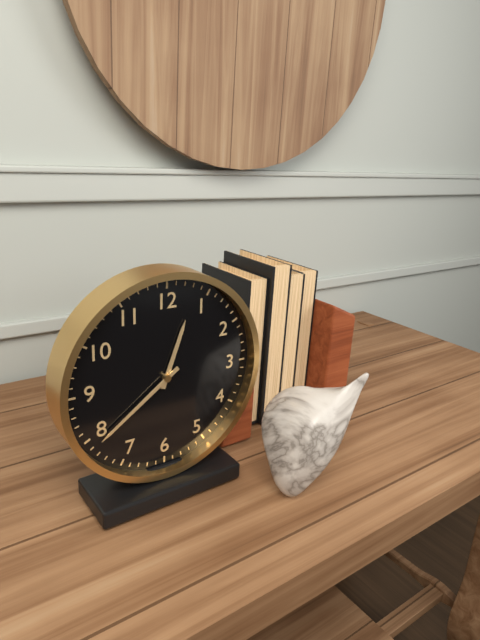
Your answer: 12.39
